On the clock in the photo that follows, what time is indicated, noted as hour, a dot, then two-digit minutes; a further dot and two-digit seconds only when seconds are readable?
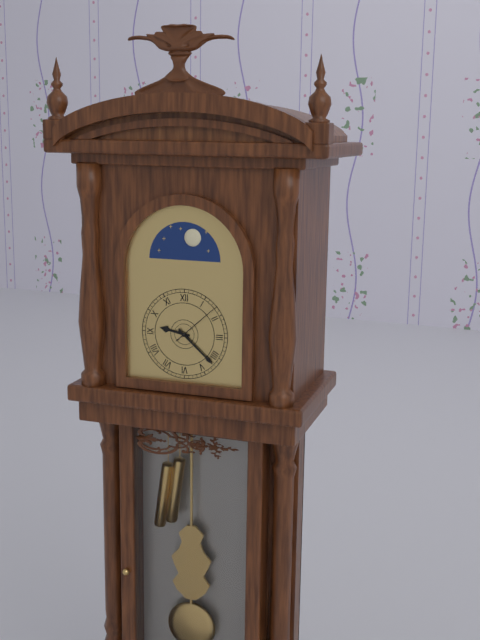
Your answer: 9.22.08
